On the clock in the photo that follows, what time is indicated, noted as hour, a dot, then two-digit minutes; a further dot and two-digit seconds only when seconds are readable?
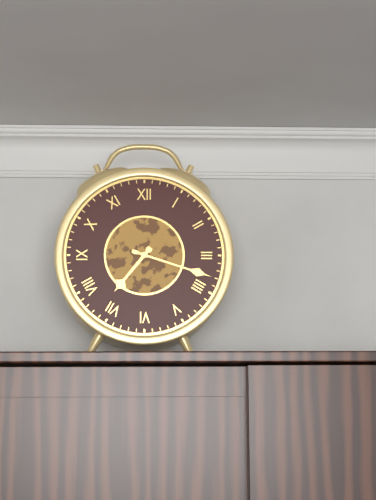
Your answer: 7.18
